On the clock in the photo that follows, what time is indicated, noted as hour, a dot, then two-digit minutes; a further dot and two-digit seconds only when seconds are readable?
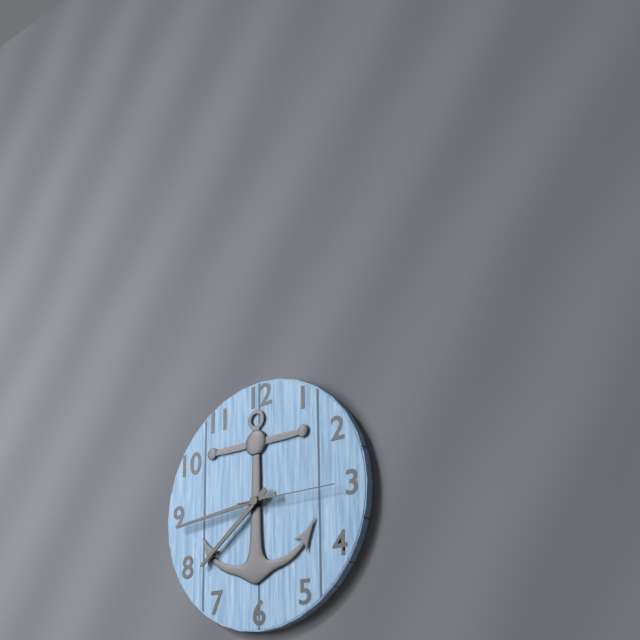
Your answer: 7.44.15
